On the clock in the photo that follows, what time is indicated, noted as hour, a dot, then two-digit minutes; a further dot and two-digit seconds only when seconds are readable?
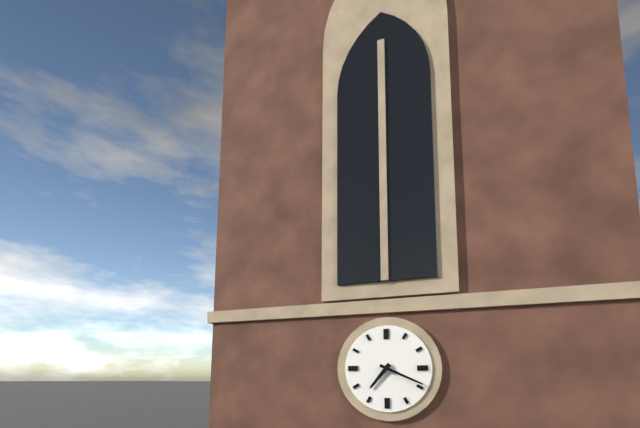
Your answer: 7.19
